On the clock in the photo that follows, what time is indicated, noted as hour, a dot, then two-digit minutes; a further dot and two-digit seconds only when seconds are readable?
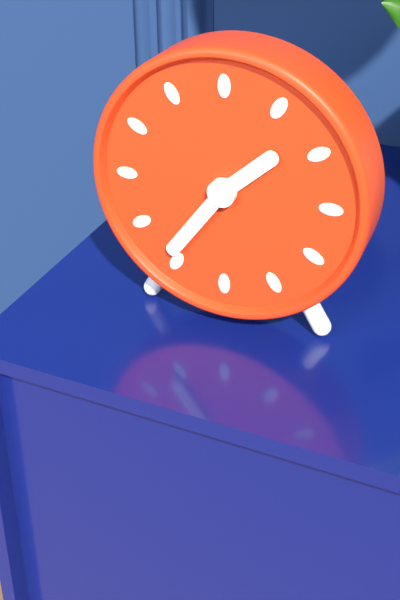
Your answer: 1.36
